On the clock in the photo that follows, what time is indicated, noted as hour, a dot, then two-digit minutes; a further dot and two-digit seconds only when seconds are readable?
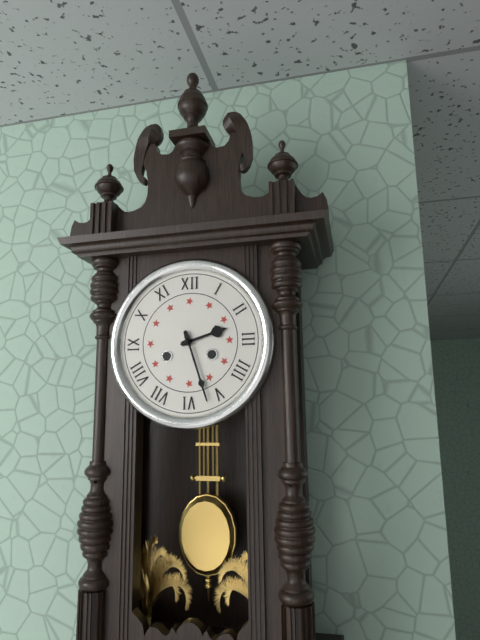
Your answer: 2.27
